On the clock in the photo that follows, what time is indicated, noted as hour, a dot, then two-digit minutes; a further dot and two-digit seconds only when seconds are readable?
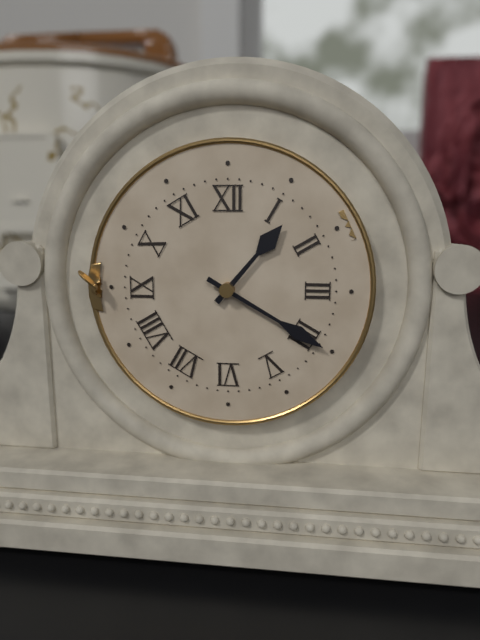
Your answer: 1.20
